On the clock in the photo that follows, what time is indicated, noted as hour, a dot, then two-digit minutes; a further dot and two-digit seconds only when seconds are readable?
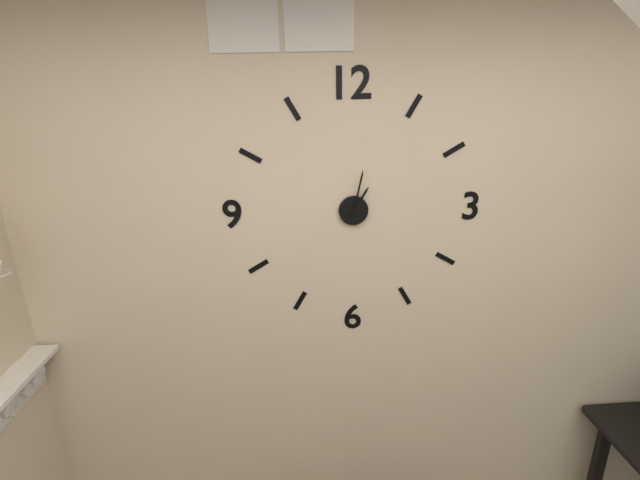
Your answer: 1.02
